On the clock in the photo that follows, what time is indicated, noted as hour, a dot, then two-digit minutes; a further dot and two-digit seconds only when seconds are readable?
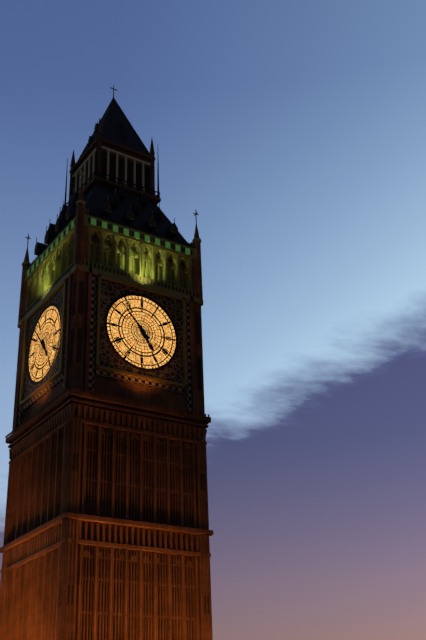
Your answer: 4.53
